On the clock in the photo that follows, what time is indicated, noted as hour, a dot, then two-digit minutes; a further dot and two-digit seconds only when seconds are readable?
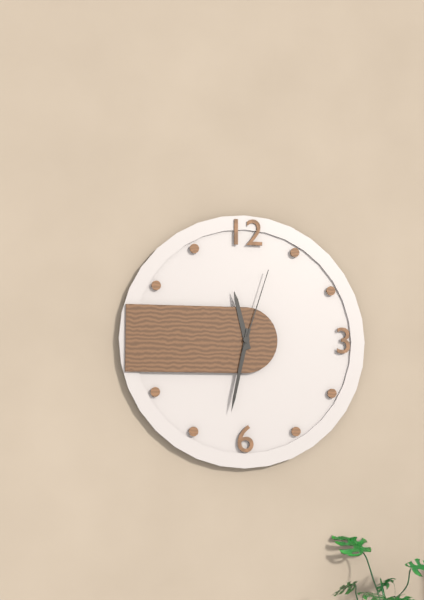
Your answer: 11.32.03
